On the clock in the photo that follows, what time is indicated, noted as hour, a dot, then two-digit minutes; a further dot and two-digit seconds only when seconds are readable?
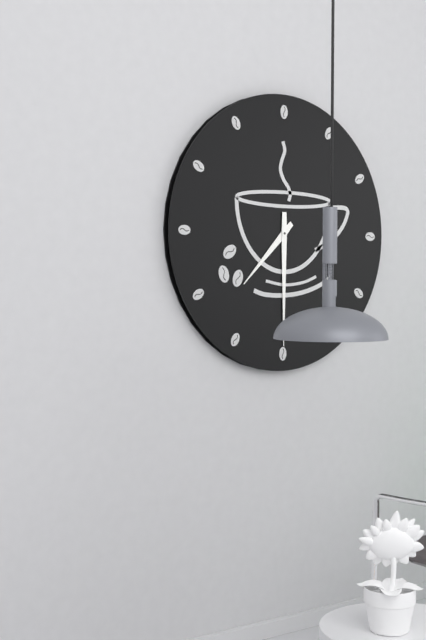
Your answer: 7.30
